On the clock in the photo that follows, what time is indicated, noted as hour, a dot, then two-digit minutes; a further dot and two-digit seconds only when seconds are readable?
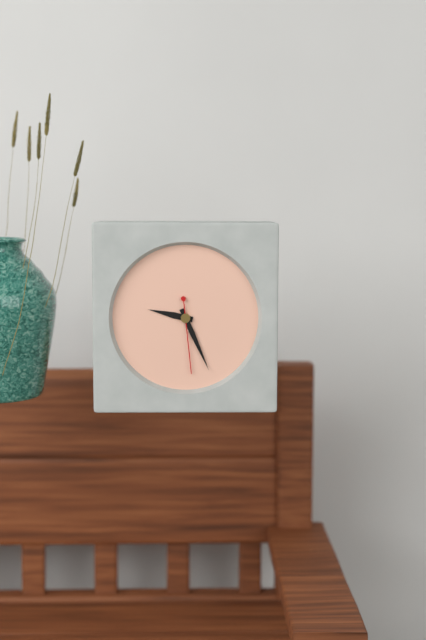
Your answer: 9.26.29
